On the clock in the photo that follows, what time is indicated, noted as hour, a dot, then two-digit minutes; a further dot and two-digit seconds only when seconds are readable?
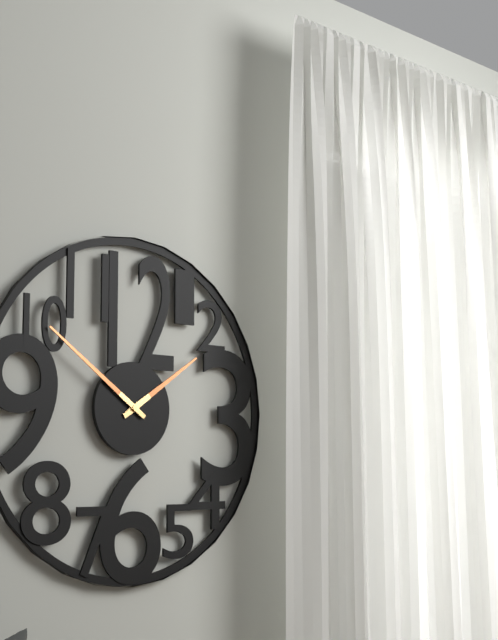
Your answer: 1.51
